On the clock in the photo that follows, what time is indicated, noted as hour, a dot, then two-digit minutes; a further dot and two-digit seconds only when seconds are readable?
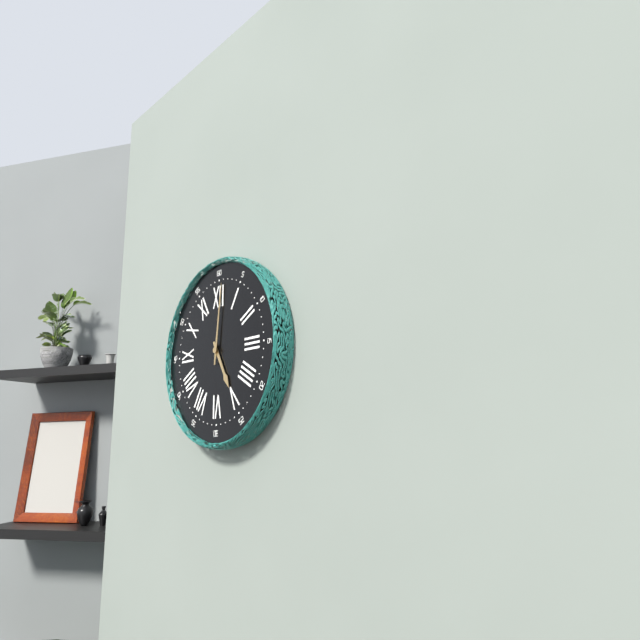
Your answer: 5.01
